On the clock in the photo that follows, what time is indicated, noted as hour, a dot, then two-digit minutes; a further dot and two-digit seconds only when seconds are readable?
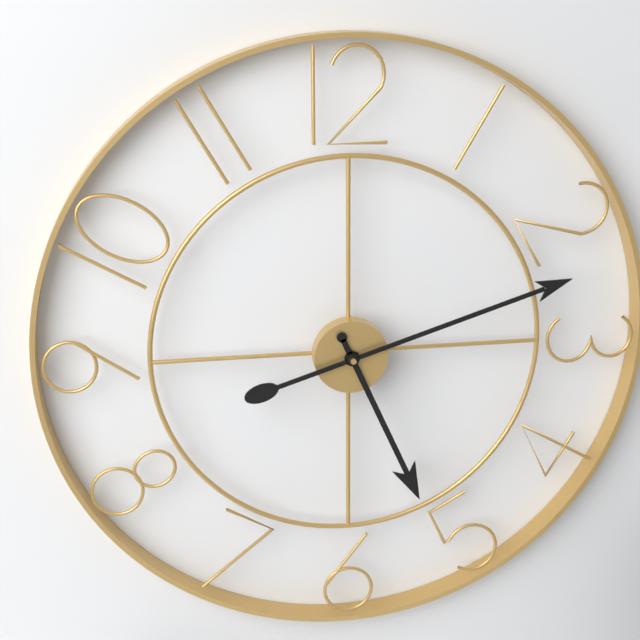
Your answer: 5.12
